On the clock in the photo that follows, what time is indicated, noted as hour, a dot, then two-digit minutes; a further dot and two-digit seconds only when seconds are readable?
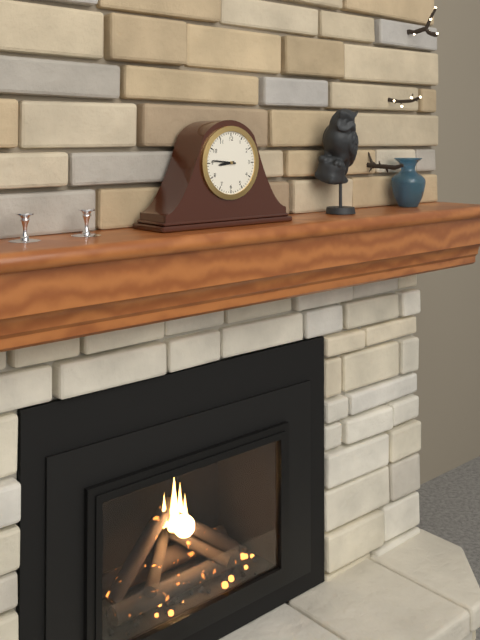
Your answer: 8.46
